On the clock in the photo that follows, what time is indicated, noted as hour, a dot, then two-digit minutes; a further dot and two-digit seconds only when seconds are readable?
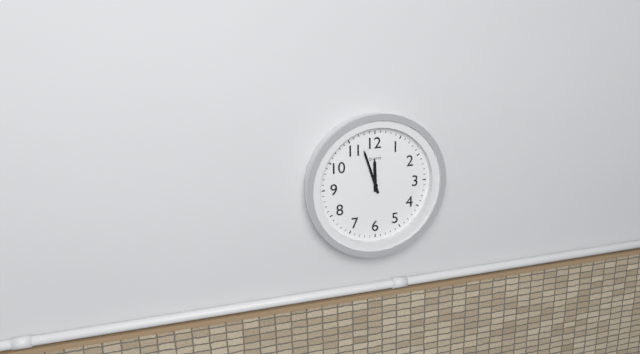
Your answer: 11.57
